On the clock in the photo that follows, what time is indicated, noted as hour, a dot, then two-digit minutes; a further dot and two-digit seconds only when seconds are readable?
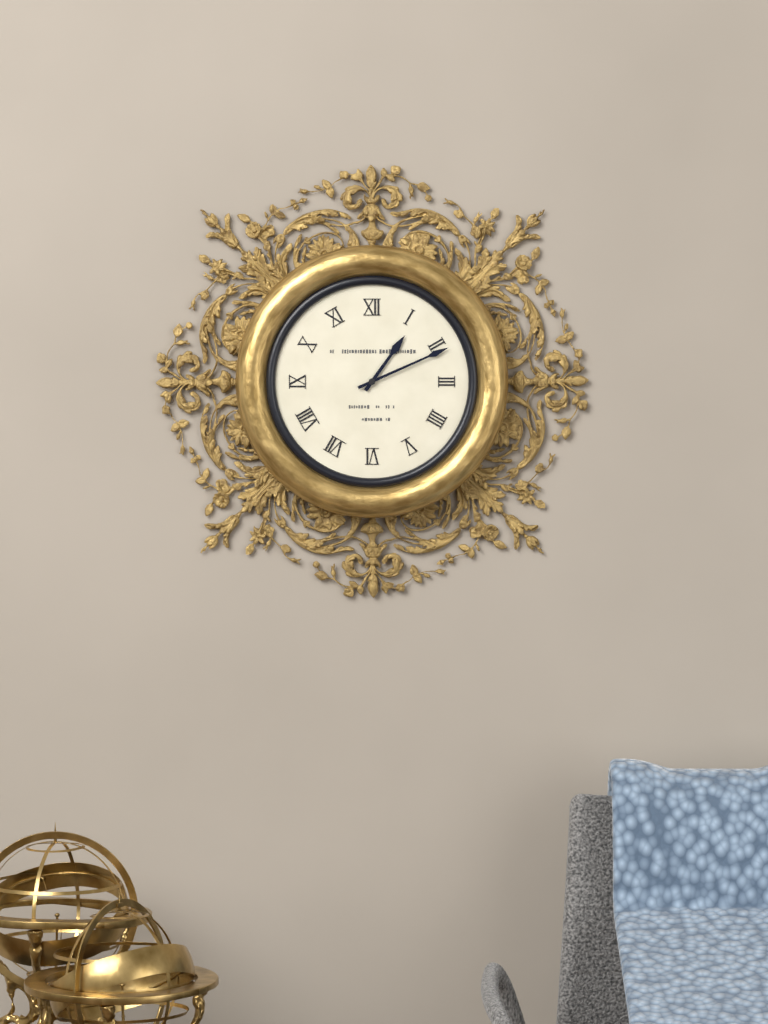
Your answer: 1.11
